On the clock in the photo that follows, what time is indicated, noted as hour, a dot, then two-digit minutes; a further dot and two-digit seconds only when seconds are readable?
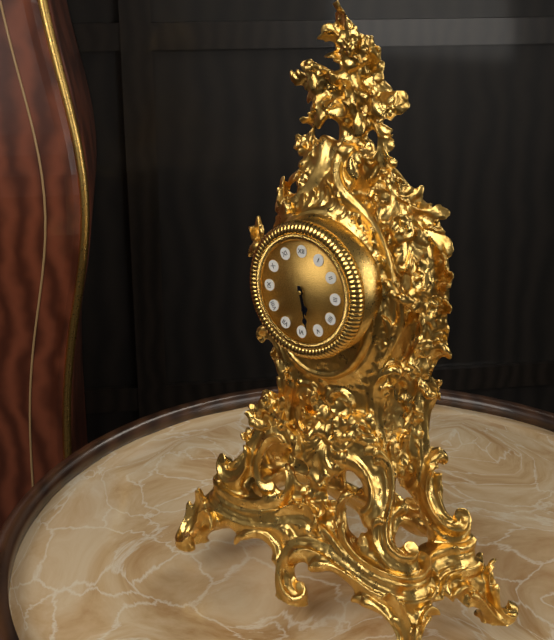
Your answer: 5.28
